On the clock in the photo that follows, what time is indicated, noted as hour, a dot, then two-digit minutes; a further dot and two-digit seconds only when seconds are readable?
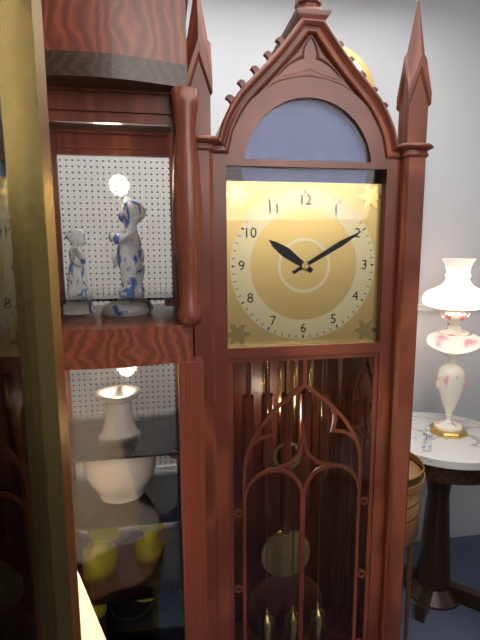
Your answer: 10.10
